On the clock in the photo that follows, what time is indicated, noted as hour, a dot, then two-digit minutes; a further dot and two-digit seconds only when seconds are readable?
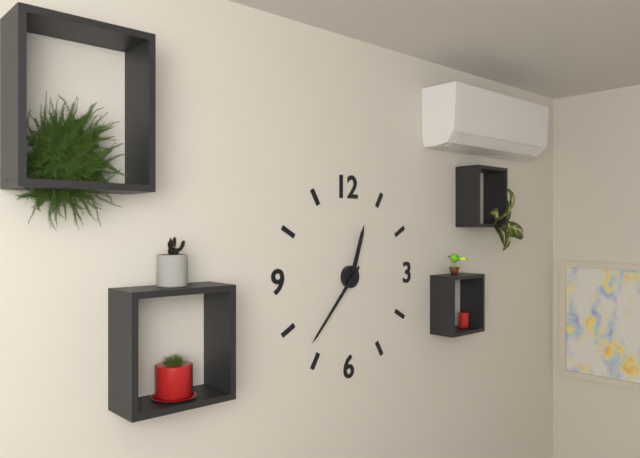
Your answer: 12.37
